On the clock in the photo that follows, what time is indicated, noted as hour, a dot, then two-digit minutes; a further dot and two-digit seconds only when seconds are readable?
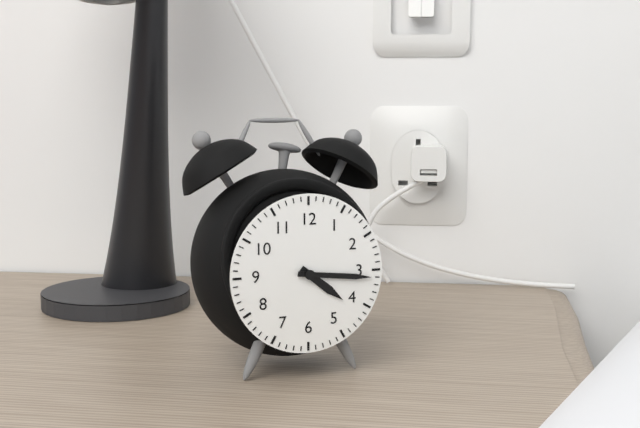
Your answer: 4.16
